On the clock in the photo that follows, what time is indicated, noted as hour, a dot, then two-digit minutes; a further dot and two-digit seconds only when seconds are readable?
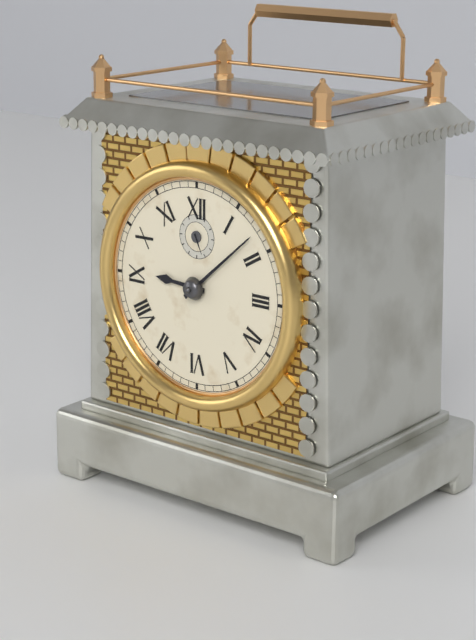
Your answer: 9.08
